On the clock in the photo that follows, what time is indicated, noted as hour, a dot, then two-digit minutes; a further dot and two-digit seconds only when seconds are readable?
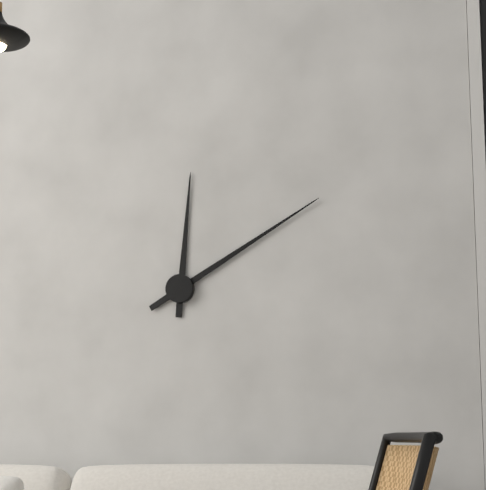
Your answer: 12.10
